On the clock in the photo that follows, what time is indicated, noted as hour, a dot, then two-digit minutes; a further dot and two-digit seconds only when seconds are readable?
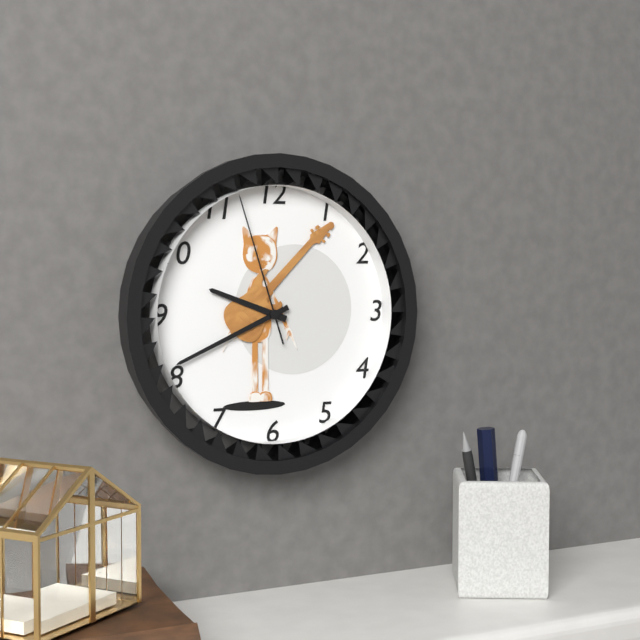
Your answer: 9.41.57
